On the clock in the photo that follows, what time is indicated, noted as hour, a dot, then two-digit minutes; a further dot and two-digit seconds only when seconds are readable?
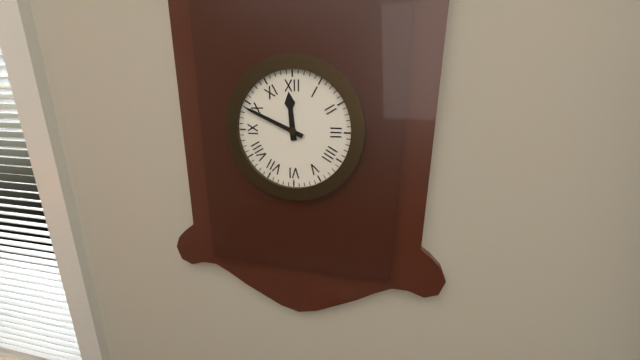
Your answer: 11.49
